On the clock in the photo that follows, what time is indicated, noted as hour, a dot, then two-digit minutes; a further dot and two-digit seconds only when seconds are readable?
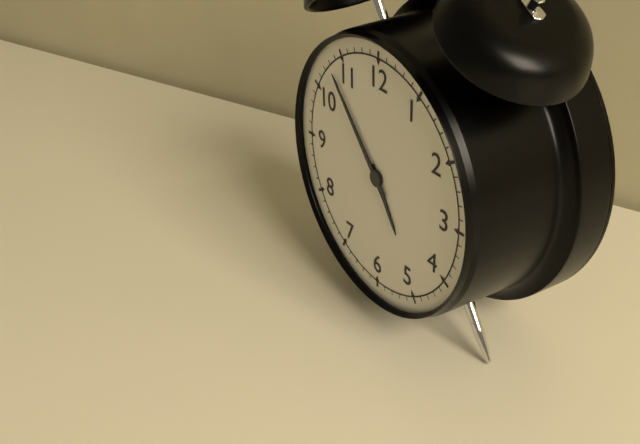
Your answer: 4.53
